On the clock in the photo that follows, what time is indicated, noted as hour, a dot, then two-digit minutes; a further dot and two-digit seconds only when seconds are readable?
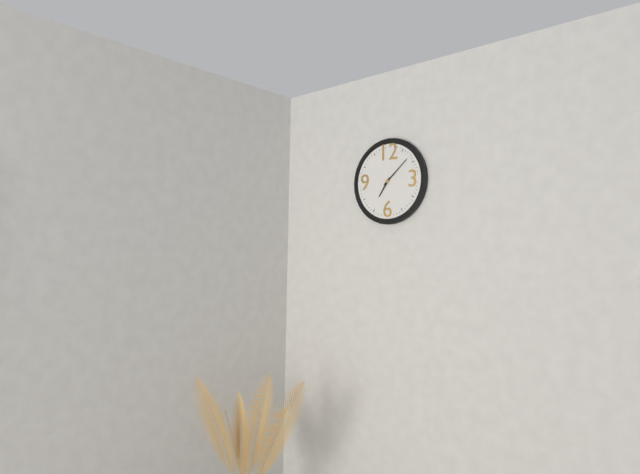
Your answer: 7.08
